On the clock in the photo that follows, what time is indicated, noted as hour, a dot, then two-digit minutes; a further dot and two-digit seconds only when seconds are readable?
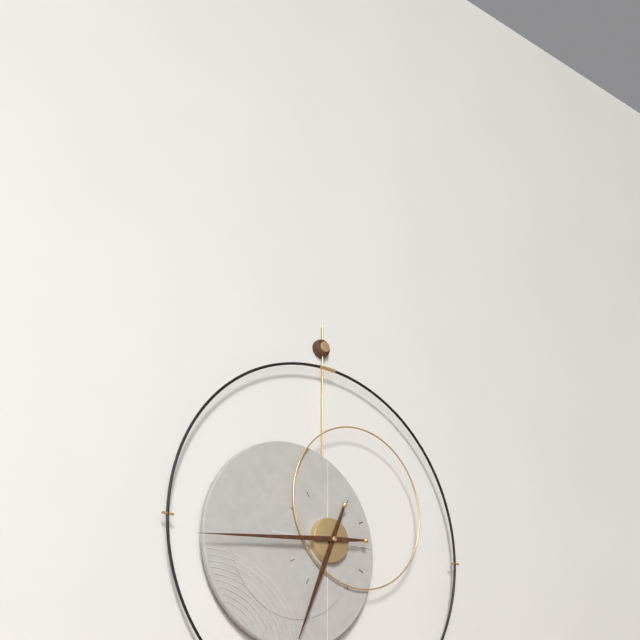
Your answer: 6.44
